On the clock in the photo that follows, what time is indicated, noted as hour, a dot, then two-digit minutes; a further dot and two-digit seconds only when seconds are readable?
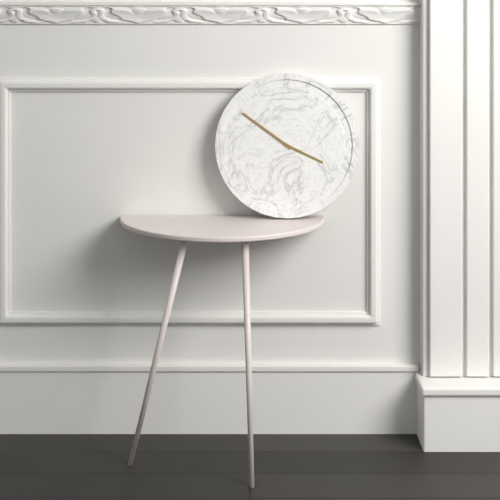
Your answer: 3.51
